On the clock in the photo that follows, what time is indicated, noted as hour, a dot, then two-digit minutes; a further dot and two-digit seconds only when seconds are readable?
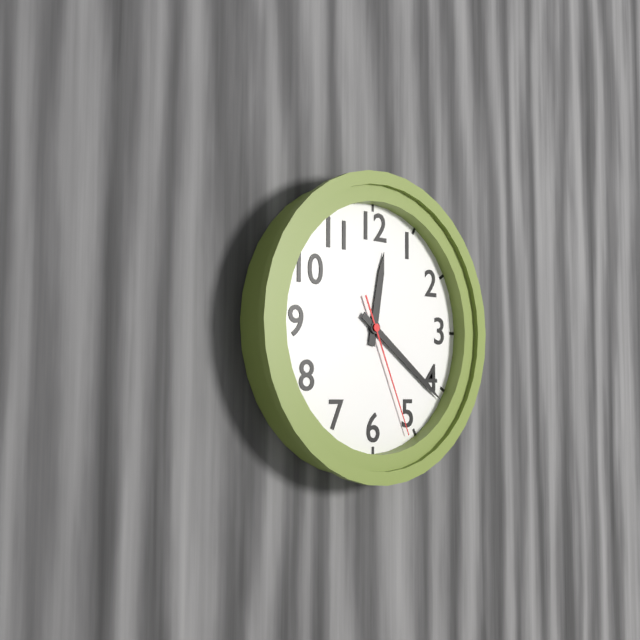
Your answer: 12.21.26
